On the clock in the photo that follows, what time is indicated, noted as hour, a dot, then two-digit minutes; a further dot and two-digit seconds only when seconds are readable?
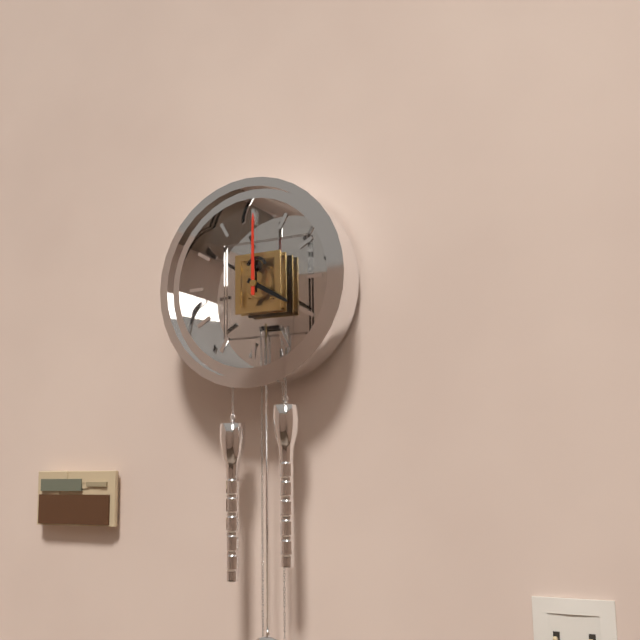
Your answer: 4.00
